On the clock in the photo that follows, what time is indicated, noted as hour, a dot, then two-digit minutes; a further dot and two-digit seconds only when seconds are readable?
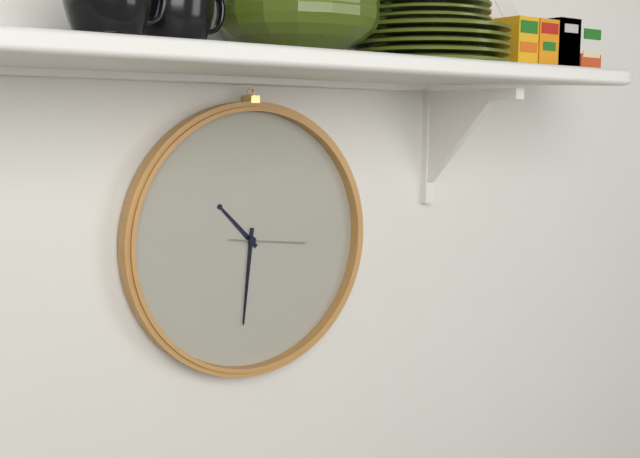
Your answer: 10.31.16
